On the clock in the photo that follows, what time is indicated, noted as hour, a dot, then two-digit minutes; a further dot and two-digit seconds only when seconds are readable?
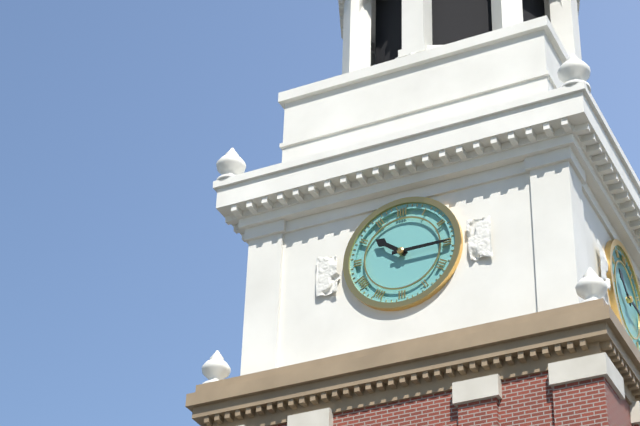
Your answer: 10.15
